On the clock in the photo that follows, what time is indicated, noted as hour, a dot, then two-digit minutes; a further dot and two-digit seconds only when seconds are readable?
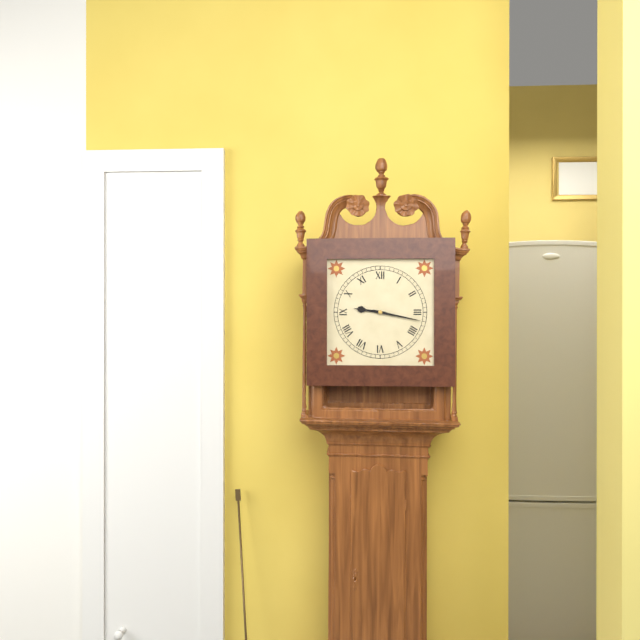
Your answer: 9.17
